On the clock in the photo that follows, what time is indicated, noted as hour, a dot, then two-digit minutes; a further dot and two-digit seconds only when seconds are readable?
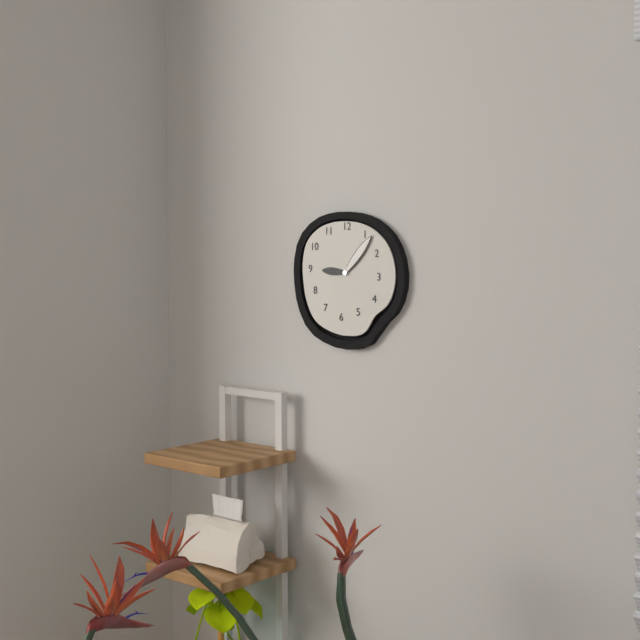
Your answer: 9.07
